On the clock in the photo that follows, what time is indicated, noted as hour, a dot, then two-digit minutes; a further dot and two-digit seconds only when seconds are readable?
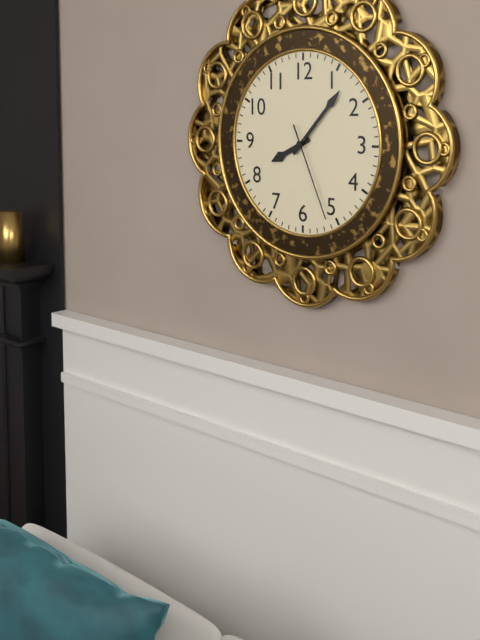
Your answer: 8.07.26
